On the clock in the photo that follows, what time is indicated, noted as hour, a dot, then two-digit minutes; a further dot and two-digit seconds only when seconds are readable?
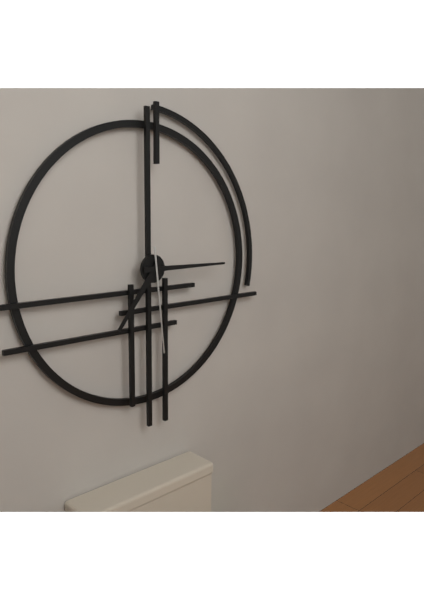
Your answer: 7.15.29
